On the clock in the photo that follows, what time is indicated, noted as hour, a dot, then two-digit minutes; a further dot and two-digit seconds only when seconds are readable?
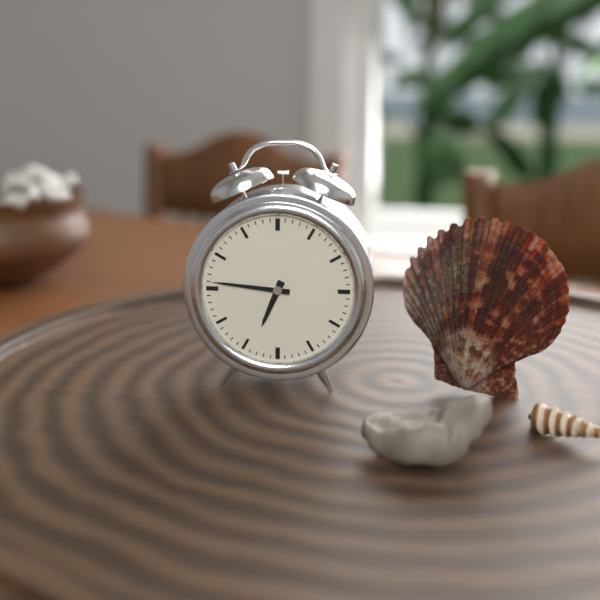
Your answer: 6.46
